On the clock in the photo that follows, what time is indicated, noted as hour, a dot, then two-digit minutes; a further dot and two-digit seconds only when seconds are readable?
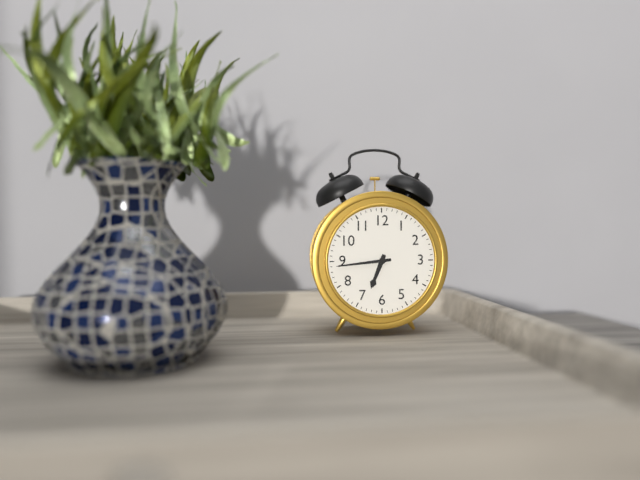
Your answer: 6.44
